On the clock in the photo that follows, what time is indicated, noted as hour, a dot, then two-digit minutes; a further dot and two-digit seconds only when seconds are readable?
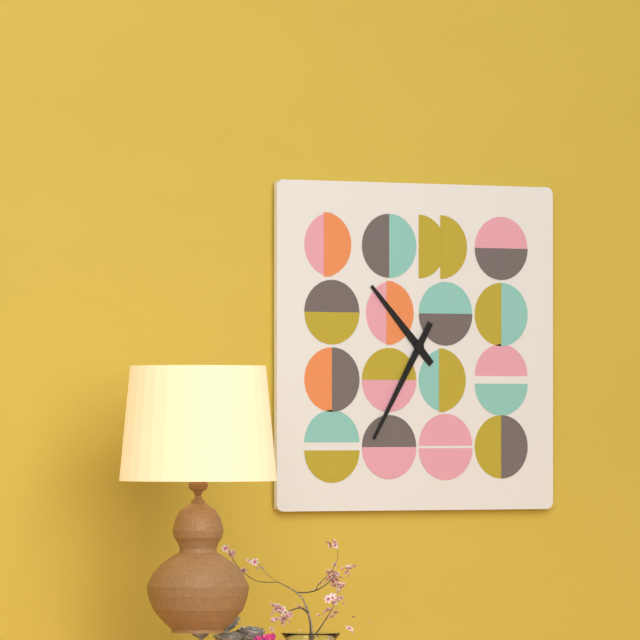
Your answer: 10.35
